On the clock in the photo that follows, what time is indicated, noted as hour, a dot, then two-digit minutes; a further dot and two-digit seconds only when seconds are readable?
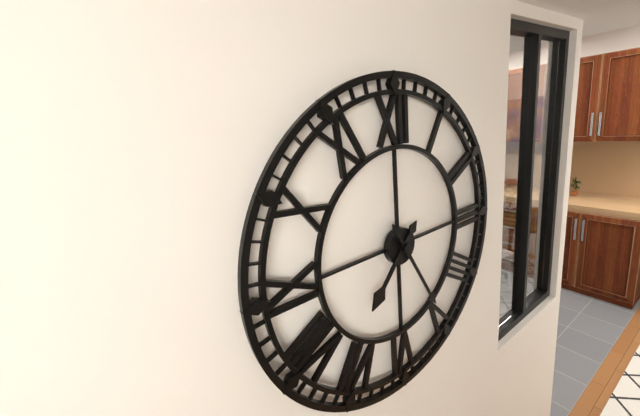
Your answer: 7.25
